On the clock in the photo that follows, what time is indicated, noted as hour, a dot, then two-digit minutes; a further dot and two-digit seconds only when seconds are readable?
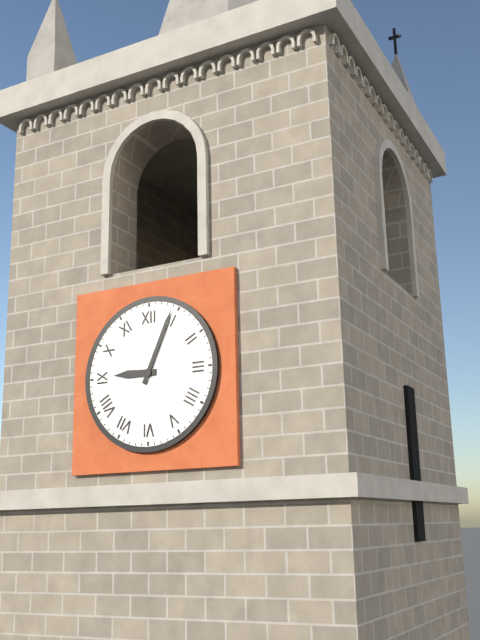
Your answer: 9.04
